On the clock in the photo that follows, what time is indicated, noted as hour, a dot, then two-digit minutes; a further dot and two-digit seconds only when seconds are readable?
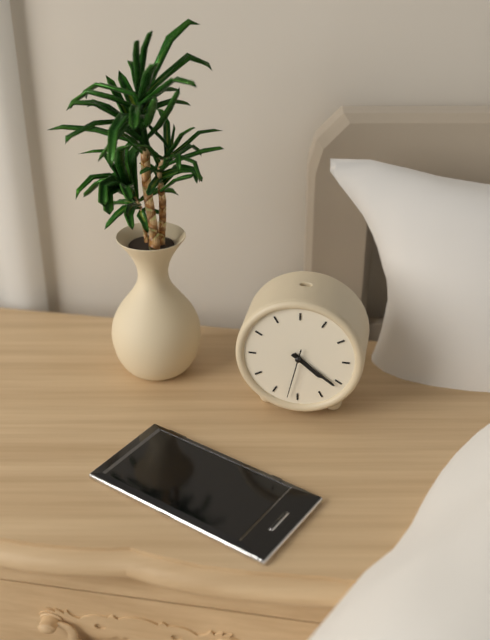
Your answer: 4.21.32
